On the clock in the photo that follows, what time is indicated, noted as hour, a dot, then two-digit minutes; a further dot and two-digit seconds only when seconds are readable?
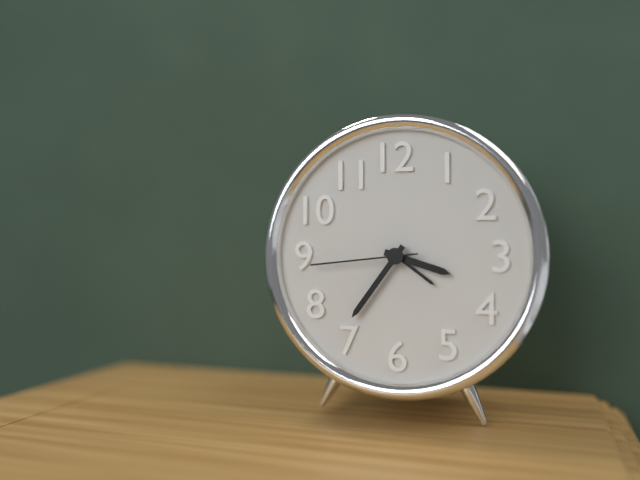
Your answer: 3.36.44
